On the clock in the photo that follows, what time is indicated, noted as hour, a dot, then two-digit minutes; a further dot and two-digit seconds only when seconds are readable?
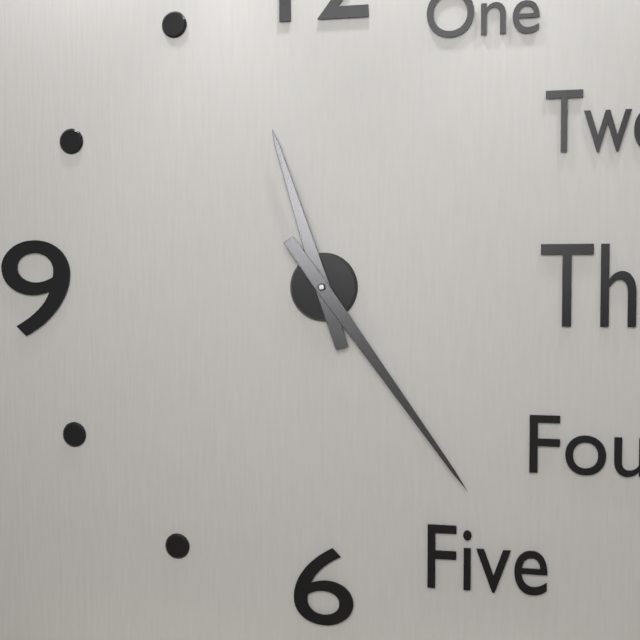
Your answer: 11.24
